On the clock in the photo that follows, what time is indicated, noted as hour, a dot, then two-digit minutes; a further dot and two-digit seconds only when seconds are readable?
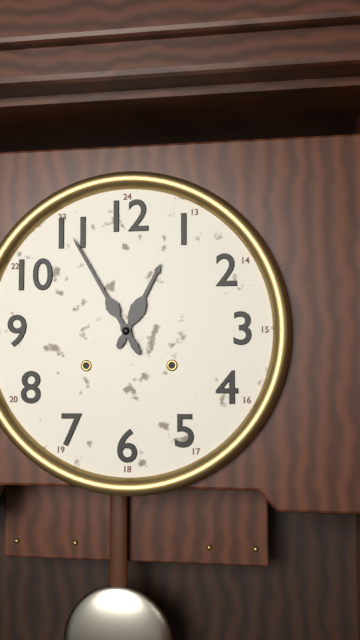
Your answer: 12.55
